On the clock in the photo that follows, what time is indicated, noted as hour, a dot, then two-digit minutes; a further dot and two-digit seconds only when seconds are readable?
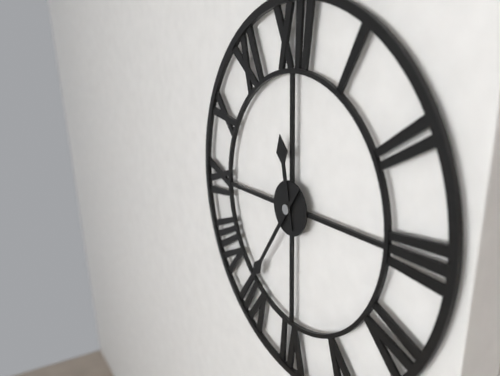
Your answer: 11.36
